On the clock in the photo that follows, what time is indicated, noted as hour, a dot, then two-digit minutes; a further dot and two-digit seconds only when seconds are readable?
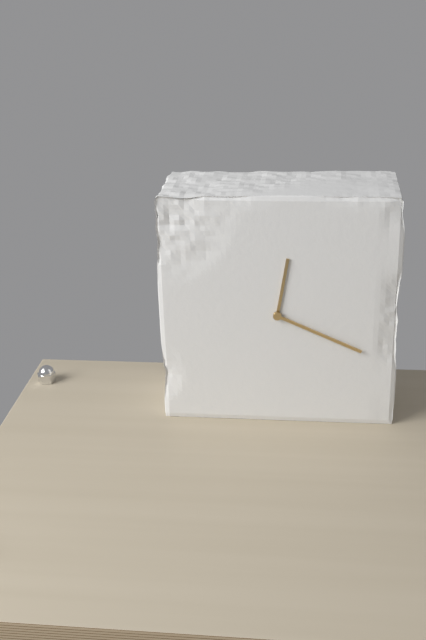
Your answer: 12.19
